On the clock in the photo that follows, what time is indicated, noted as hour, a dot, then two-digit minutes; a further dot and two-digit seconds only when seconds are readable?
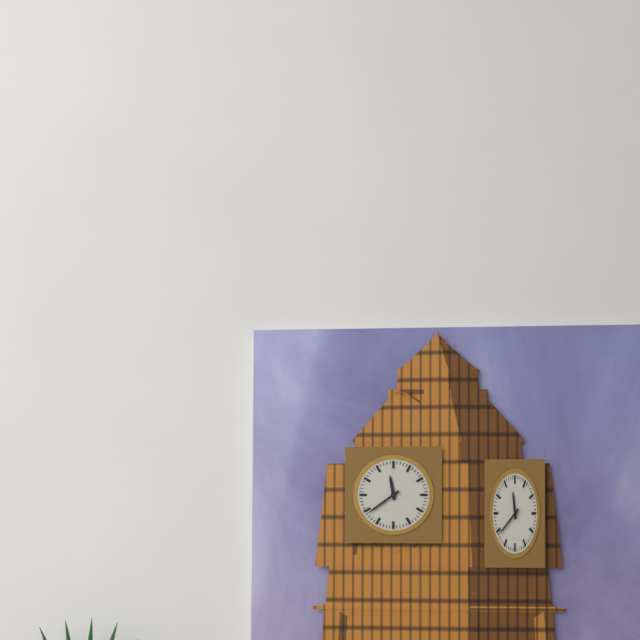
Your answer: 11.39
